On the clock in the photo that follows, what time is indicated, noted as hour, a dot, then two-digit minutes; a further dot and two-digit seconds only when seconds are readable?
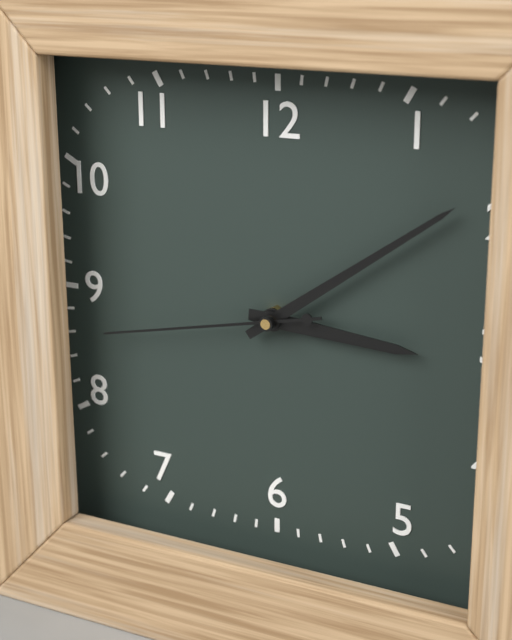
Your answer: 3.09.43
